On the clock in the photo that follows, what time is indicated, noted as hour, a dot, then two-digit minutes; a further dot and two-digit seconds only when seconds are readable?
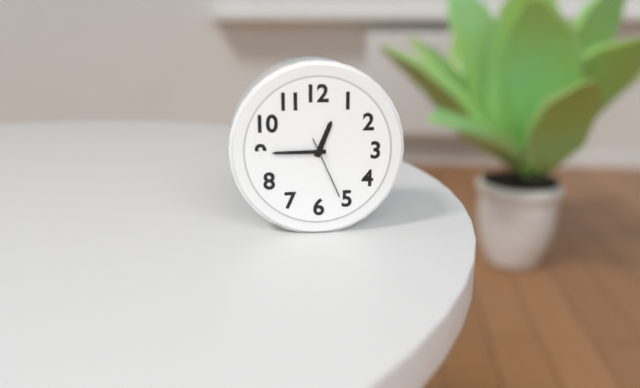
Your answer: 12.45.26
